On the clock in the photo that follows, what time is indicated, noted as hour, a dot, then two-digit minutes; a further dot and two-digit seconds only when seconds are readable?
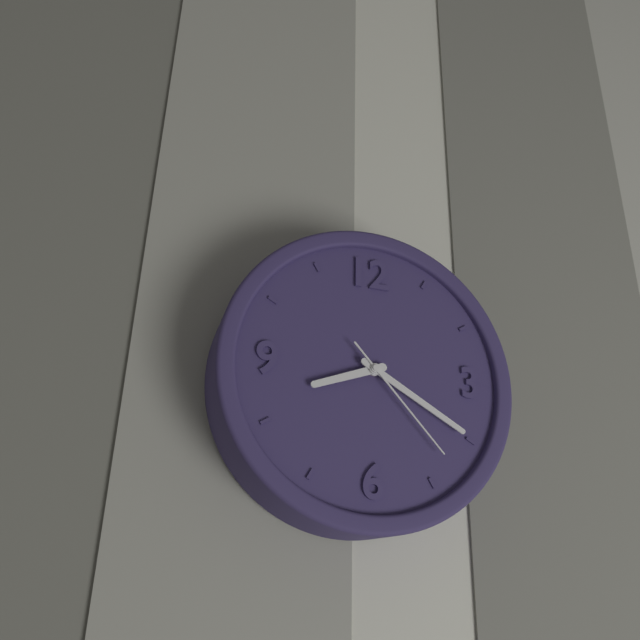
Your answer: 8.20.23
